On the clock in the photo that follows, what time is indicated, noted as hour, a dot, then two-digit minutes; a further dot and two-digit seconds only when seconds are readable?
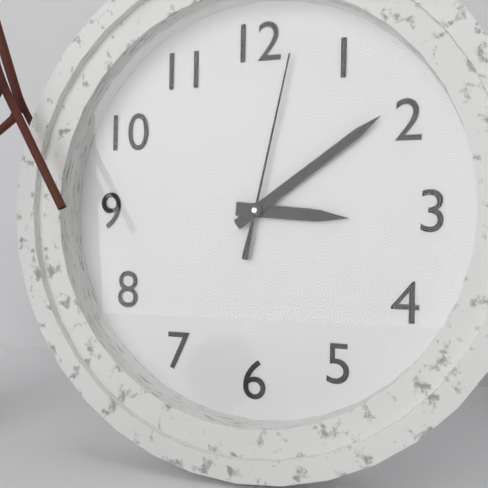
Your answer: 3.09.02
